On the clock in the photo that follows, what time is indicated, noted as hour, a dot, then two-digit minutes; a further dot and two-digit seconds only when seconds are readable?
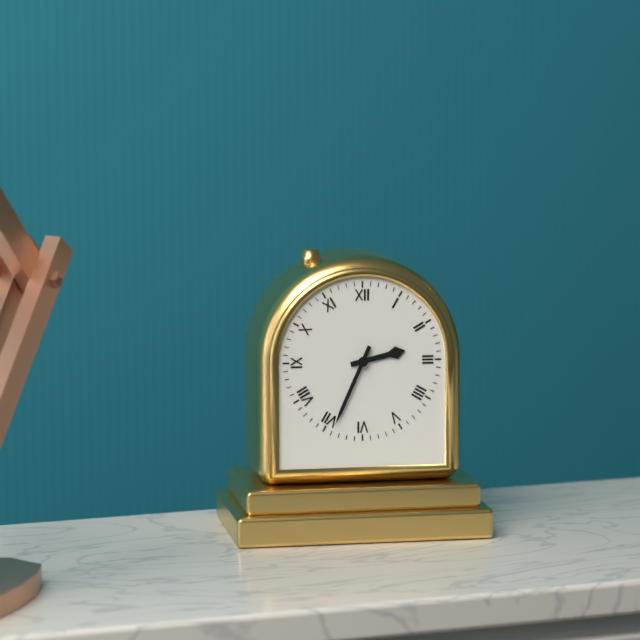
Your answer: 2.34
